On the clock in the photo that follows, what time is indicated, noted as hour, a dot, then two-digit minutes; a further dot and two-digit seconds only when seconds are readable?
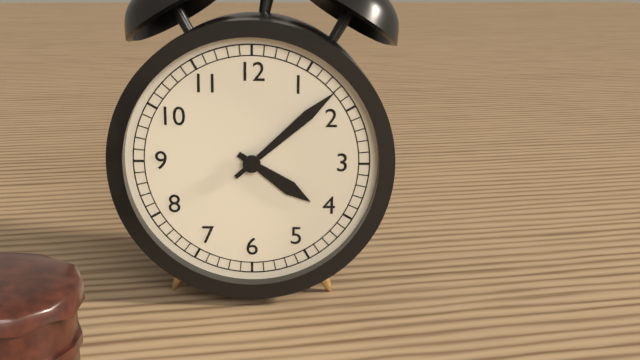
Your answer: 4.08
